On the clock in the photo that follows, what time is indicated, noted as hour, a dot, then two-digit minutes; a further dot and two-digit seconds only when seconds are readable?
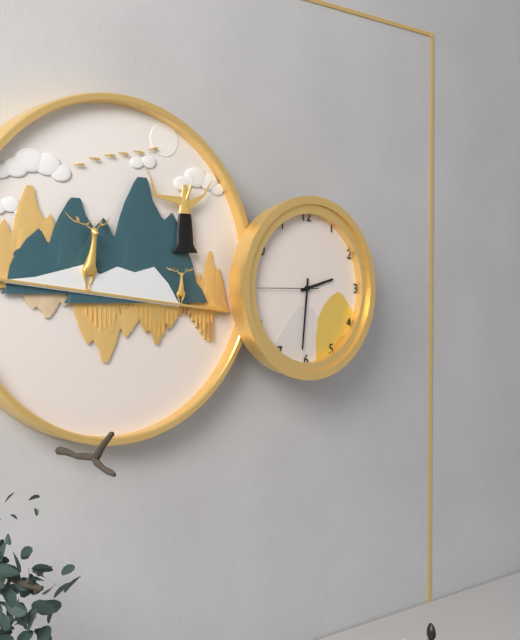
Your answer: 2.31.45
